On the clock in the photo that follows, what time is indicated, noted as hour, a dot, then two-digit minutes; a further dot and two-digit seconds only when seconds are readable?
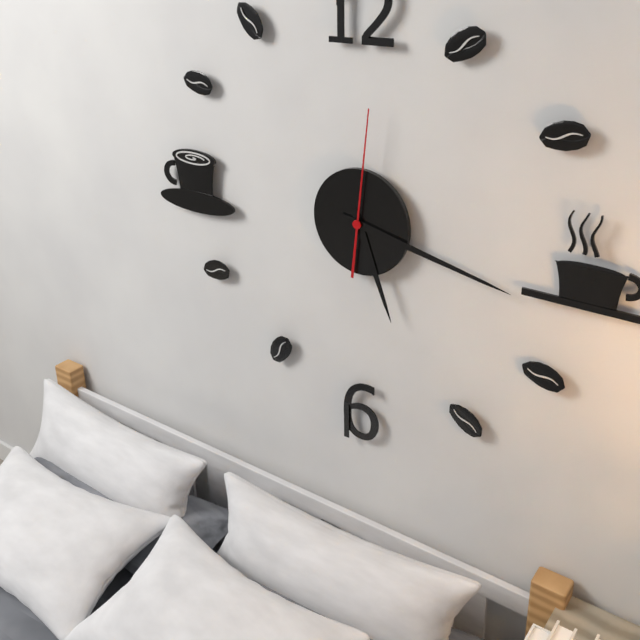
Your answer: 5.17.01
